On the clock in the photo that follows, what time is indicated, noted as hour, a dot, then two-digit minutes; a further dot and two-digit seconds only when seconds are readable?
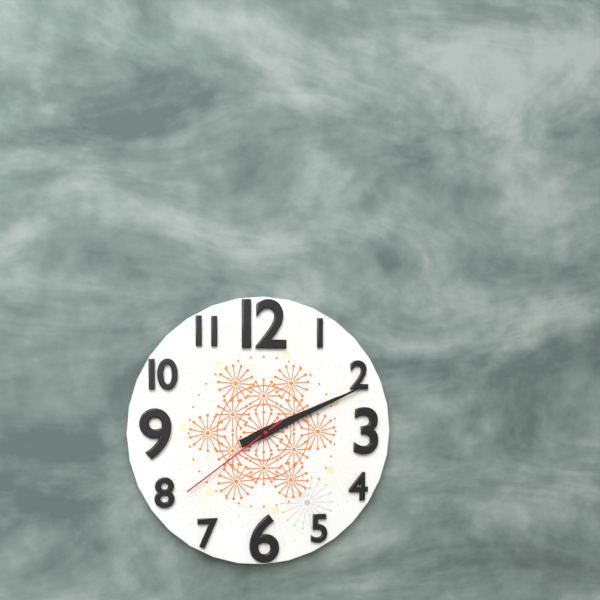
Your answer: 2.11.39
